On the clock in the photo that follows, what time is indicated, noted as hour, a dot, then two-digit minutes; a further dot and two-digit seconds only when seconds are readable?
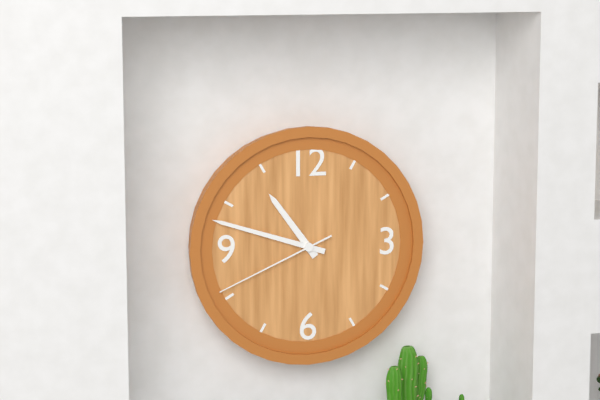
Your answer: 10.48.41
